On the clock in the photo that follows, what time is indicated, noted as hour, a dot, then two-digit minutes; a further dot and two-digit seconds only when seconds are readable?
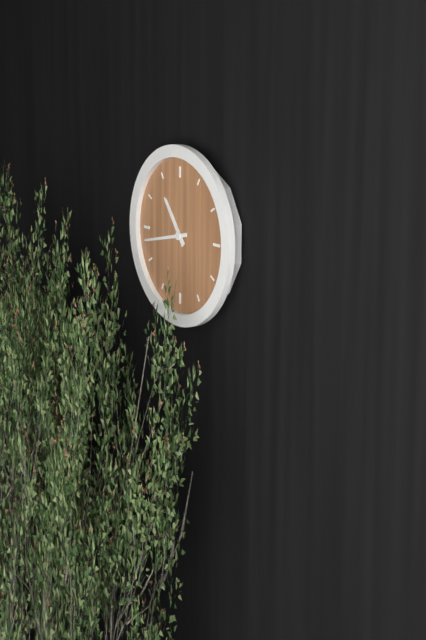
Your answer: 10.43
